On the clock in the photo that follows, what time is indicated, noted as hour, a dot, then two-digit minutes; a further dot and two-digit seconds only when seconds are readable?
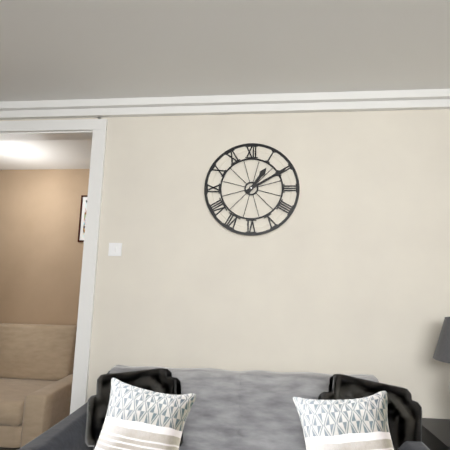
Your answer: 1.10
